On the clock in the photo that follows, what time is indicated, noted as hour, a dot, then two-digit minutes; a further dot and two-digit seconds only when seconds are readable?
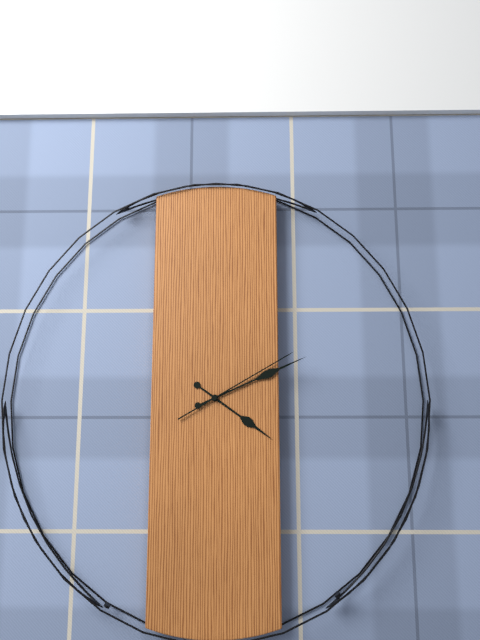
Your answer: 4.11.10
